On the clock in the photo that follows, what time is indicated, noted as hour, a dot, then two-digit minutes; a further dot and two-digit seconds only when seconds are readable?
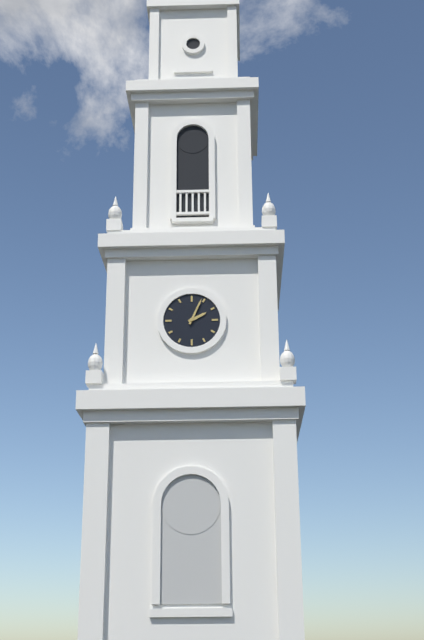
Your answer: 2.04
